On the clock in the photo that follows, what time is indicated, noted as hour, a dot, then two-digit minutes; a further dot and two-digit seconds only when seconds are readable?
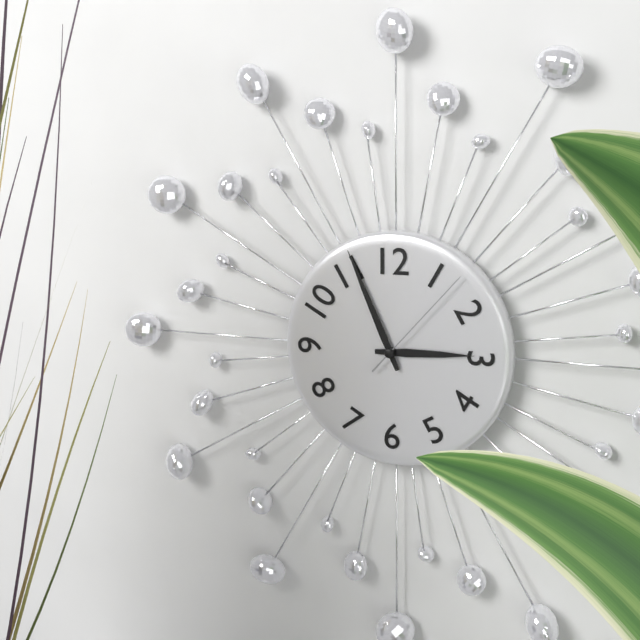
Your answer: 2.56.07
